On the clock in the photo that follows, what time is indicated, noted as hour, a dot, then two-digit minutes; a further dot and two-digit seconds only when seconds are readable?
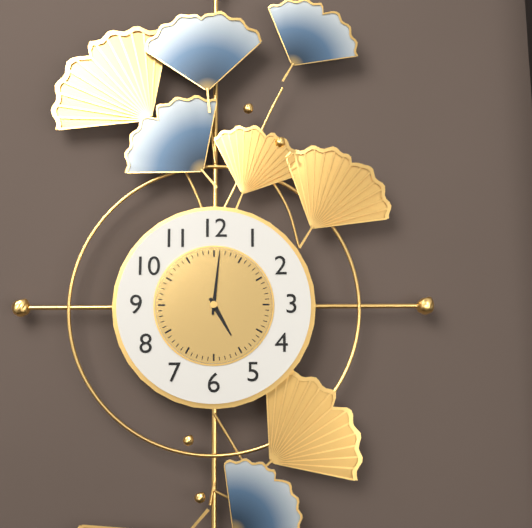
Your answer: 5.01
